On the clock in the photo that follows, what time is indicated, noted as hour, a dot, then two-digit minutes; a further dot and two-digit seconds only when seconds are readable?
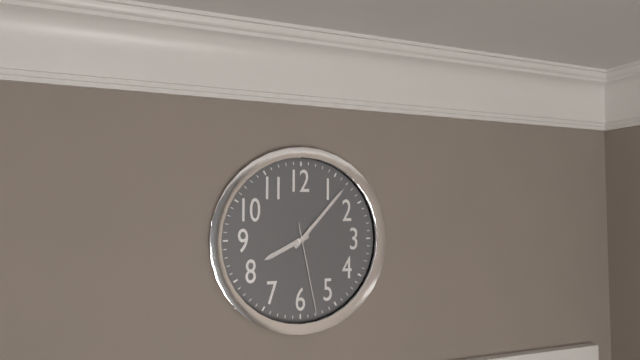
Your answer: 8.07.28
